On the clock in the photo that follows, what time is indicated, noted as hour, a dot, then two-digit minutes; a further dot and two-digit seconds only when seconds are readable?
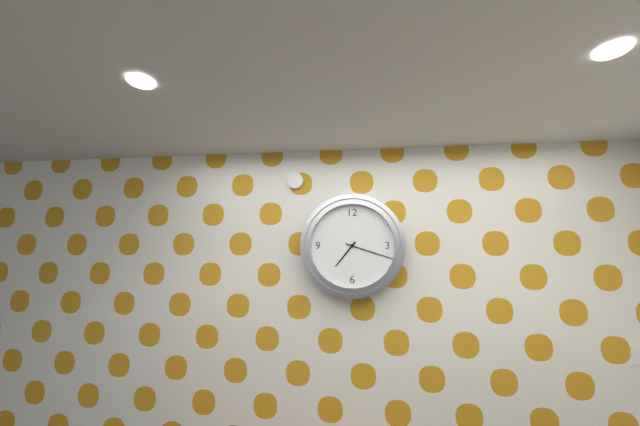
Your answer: 7.18
